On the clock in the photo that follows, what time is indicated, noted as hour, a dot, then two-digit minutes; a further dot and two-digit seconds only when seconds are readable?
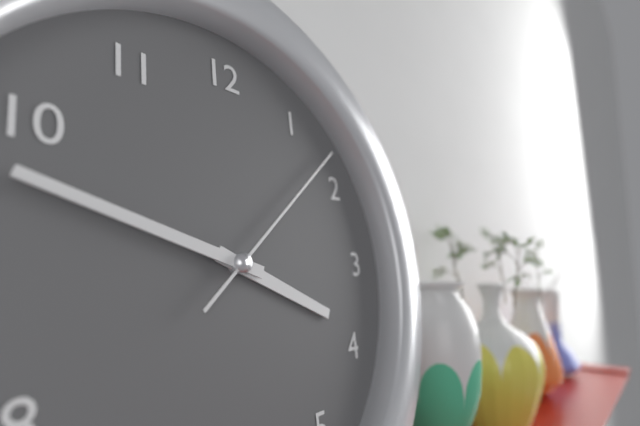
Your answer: 3.48.08
